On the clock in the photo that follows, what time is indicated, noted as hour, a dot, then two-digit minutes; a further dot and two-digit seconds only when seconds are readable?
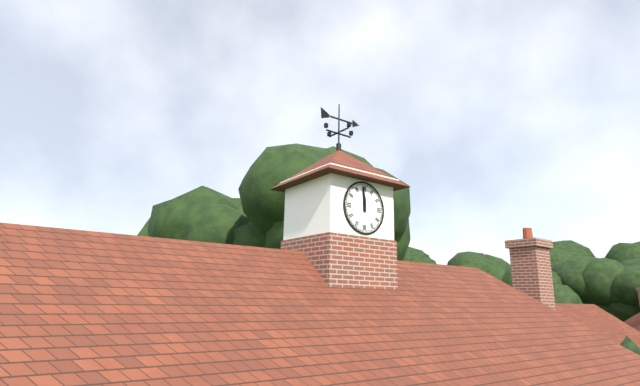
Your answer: 11.59
